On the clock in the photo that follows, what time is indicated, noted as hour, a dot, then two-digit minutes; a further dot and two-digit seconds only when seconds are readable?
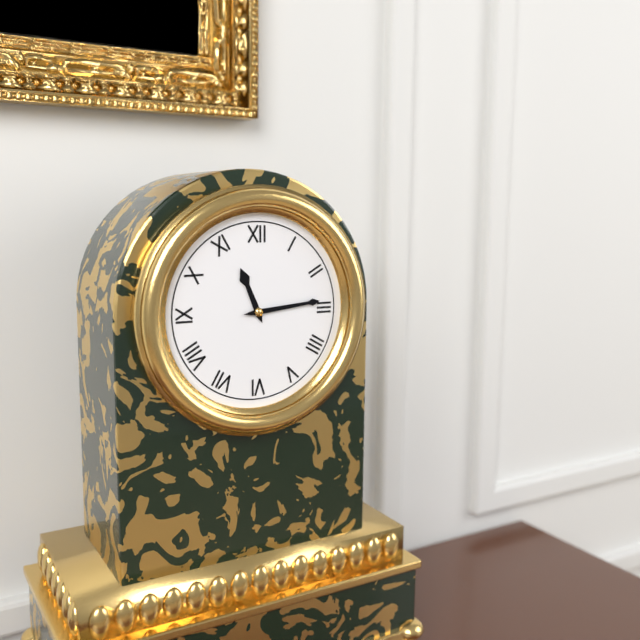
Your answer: 11.14
